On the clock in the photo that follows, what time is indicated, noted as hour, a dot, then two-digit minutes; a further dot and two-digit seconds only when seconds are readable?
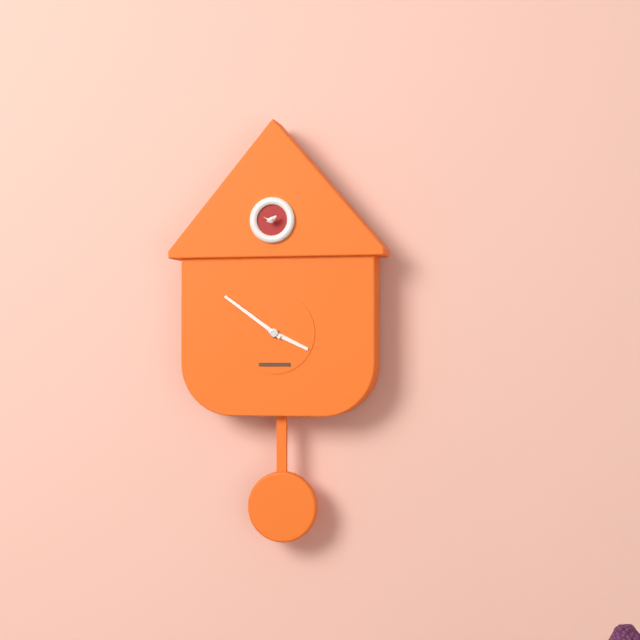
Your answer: 3.51
